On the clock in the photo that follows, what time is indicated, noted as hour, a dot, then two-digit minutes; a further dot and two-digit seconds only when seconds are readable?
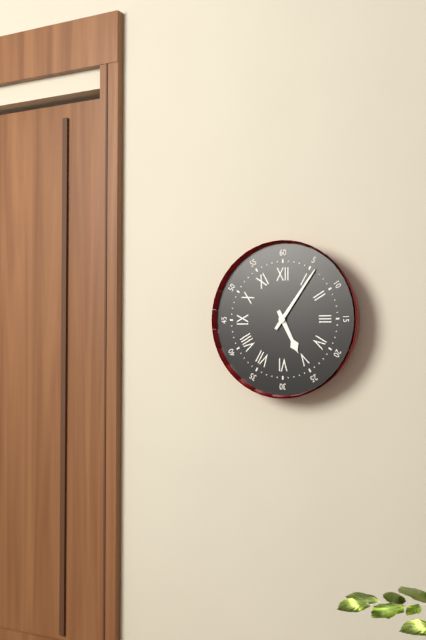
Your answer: 5.06
